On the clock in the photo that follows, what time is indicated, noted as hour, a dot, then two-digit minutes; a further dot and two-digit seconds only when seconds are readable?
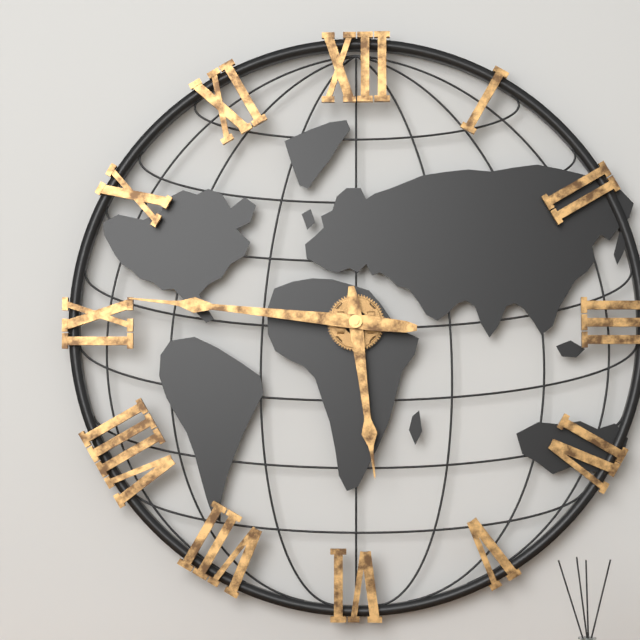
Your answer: 5.46
